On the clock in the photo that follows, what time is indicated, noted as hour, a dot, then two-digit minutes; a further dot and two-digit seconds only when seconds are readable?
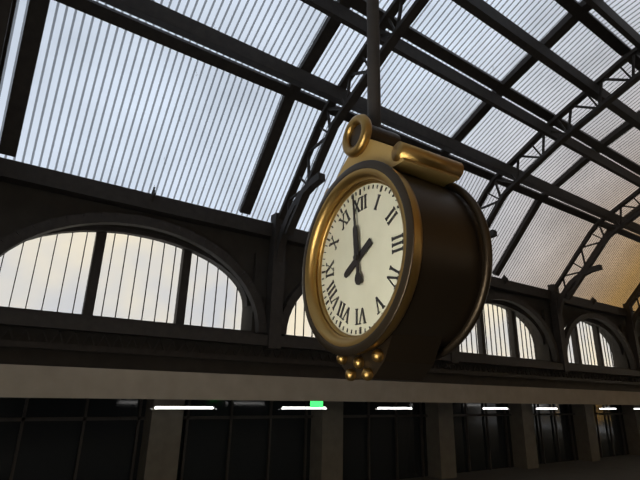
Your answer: 7.59
